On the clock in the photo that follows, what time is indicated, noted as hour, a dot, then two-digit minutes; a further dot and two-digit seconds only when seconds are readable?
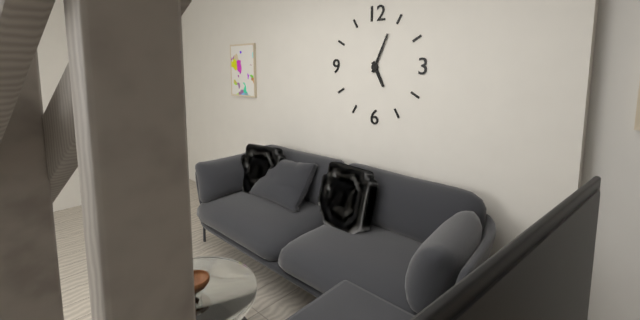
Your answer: 5.04
